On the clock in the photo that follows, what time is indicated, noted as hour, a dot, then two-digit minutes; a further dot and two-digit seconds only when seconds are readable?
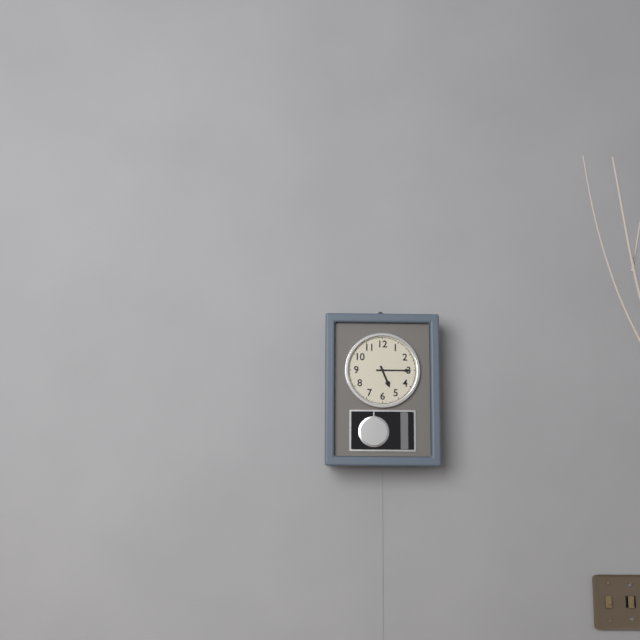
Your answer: 5.15
